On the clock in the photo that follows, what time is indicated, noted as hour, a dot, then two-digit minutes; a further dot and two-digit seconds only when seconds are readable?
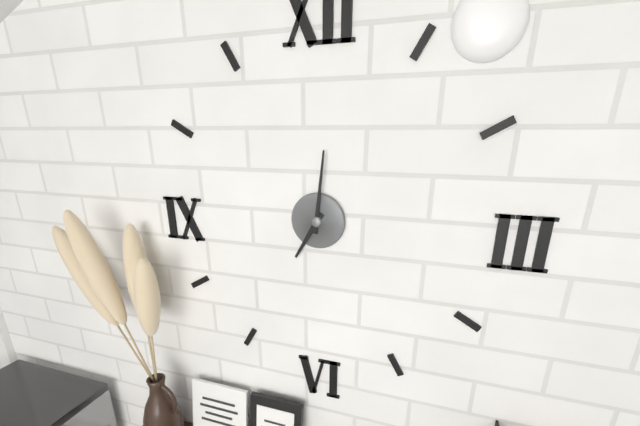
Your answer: 7.01
